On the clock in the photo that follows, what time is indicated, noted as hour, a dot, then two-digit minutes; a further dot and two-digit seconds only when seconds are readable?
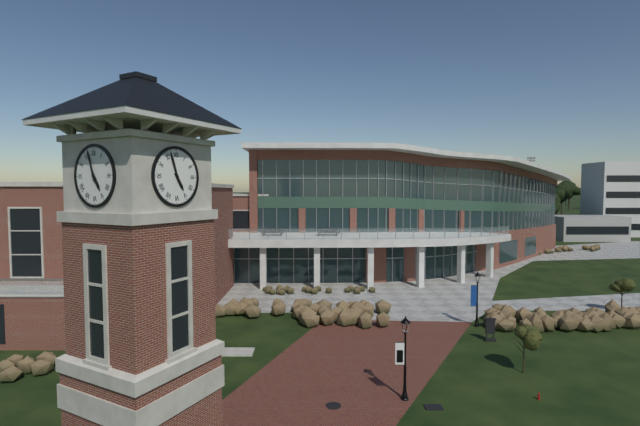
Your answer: 4.57
